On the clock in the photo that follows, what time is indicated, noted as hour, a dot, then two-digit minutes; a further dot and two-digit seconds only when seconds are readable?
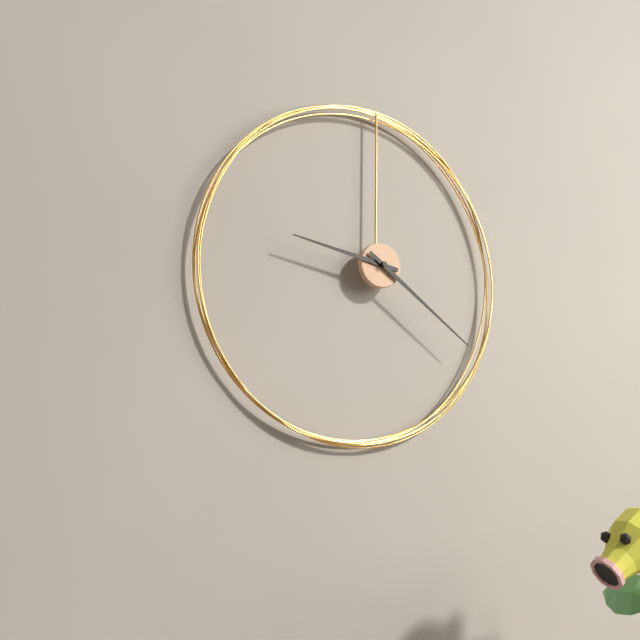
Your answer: 9.21
